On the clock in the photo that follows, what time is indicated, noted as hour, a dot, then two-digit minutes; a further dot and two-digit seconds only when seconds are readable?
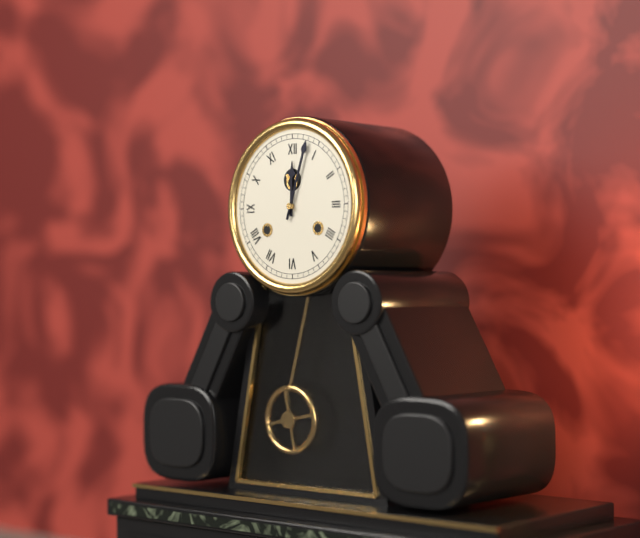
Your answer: 12.03
